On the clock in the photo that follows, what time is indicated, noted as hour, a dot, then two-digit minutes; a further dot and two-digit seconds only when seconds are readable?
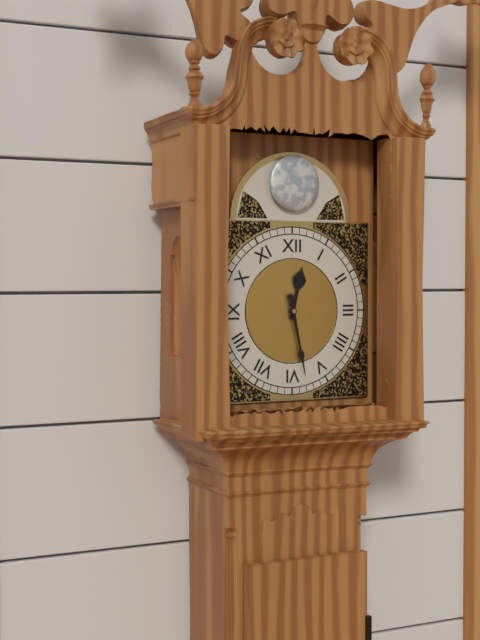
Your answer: 12.28
